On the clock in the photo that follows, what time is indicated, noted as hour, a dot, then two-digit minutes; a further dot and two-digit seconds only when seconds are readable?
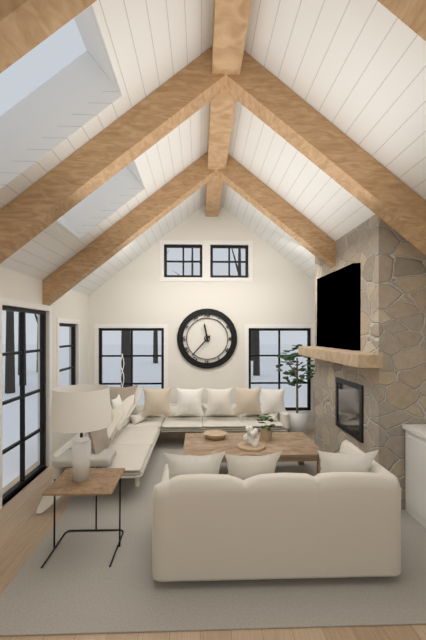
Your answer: 11.37
